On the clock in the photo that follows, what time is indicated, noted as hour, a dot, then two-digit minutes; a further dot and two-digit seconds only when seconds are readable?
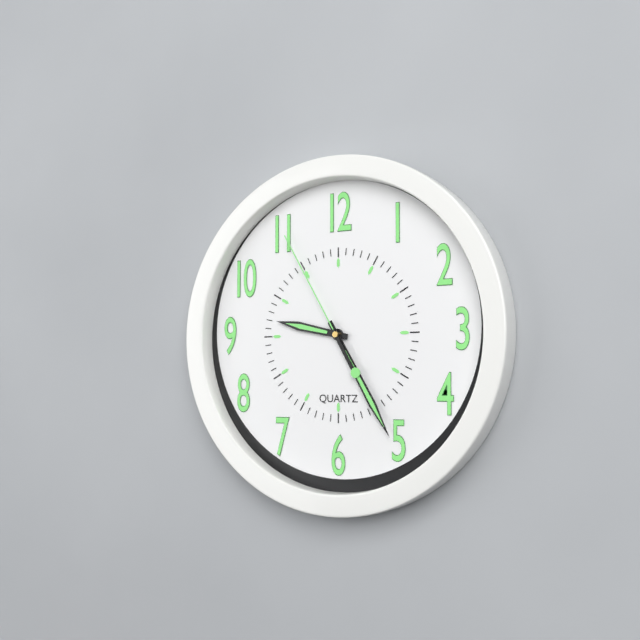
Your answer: 9.25.55
